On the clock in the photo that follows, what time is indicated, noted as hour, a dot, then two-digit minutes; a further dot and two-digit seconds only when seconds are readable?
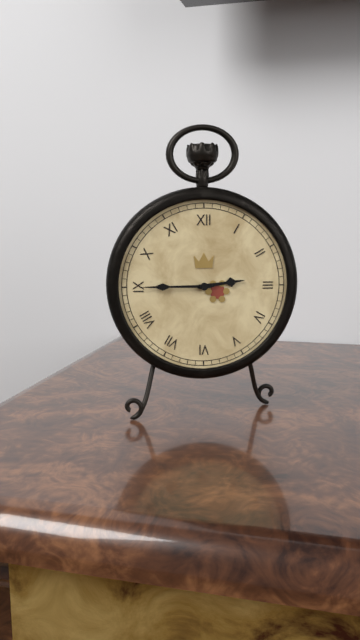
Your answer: 2.45
